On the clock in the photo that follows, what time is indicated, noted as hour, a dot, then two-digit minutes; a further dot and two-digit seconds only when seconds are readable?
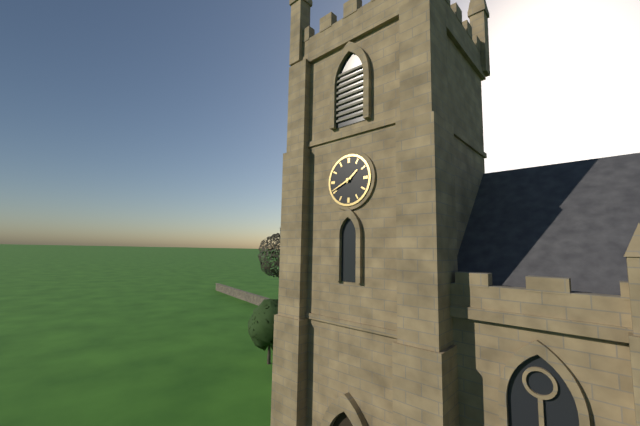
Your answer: 1.41
